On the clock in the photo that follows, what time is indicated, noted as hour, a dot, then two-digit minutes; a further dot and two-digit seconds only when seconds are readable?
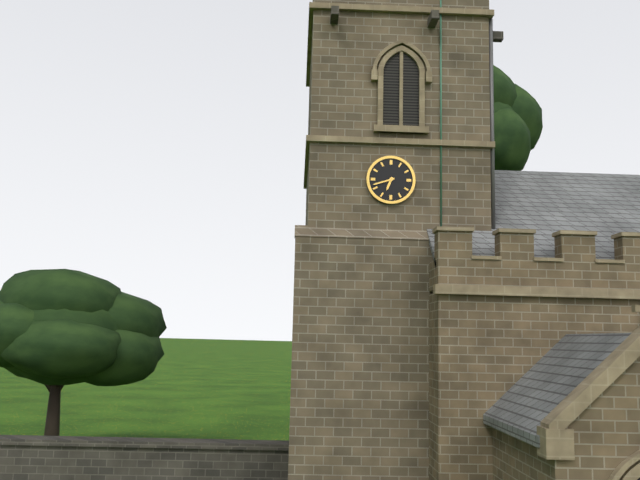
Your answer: 6.42
